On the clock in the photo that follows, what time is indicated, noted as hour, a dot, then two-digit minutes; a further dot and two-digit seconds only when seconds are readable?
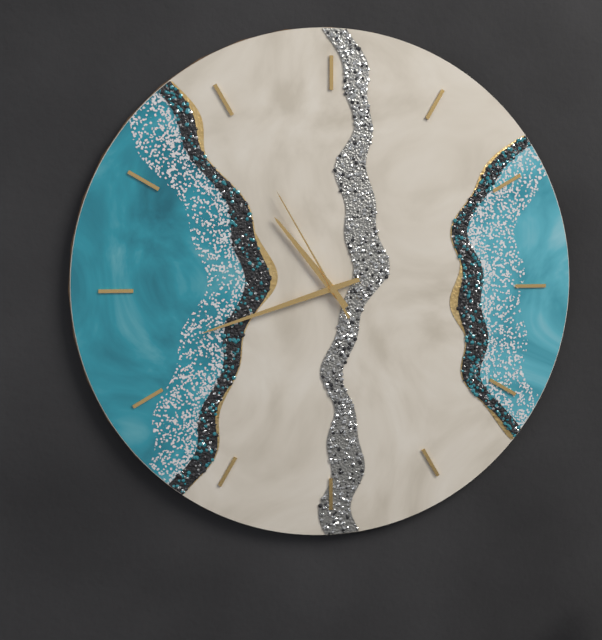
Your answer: 10.42.55
